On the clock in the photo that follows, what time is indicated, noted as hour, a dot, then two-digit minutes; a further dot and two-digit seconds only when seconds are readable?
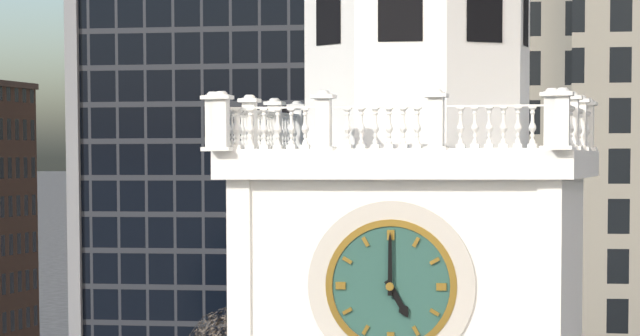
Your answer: 5.00
